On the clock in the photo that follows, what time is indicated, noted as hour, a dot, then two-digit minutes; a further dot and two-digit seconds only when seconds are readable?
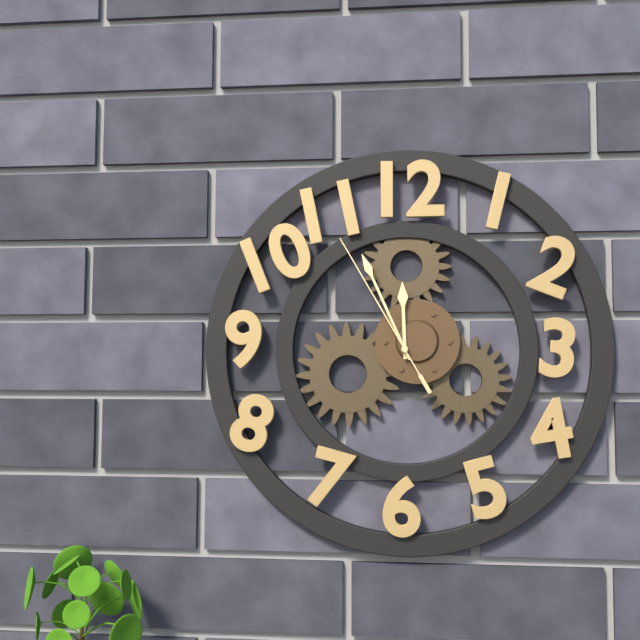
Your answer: 11.56.55
